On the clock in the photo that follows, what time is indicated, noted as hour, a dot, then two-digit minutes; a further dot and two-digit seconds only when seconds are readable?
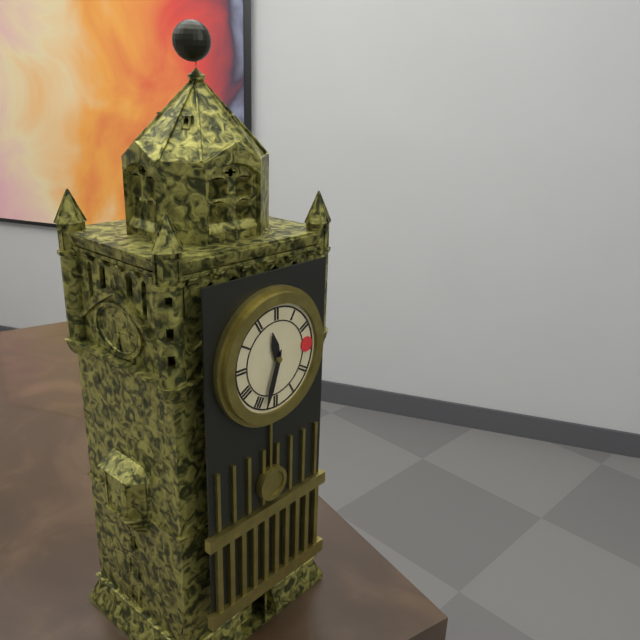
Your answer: 11.33
